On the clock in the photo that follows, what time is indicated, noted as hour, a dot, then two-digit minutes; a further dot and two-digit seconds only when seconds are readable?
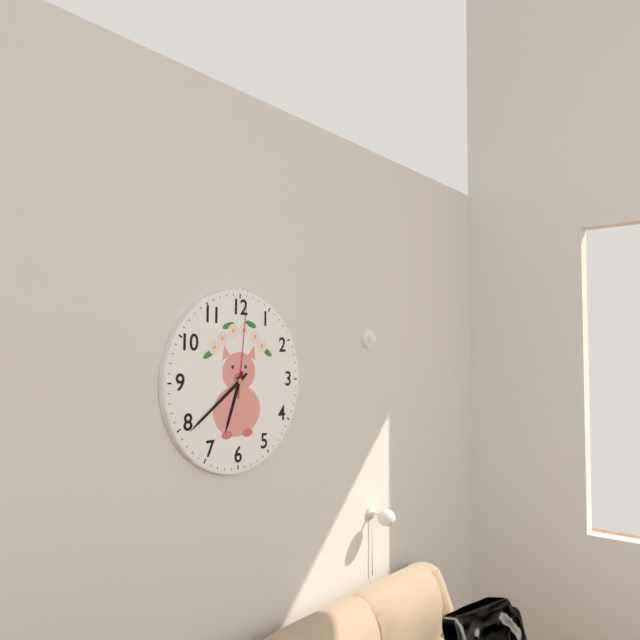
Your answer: 6.39.01
